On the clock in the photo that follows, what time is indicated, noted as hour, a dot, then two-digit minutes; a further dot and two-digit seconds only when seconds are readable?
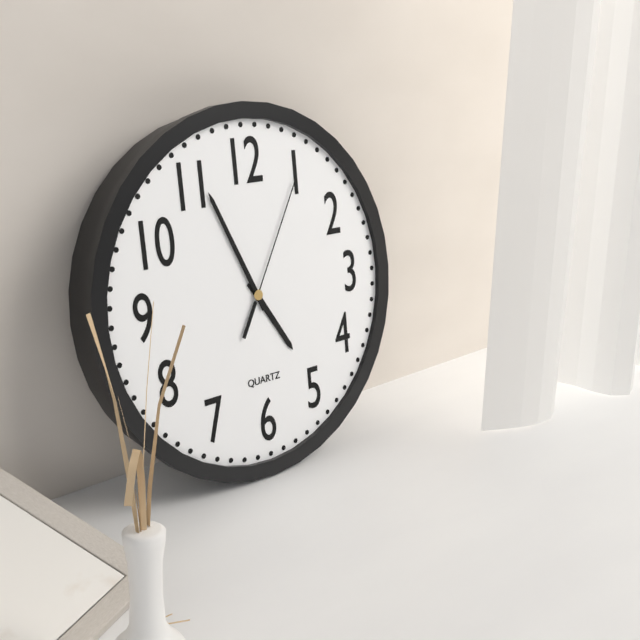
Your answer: 4.56.05
